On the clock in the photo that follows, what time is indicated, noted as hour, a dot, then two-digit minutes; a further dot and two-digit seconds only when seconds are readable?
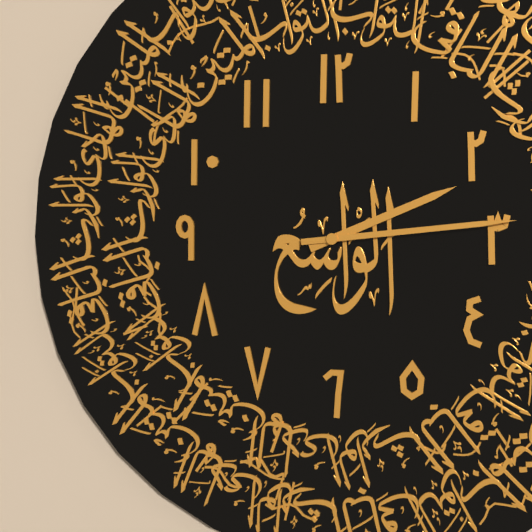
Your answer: 2.14
